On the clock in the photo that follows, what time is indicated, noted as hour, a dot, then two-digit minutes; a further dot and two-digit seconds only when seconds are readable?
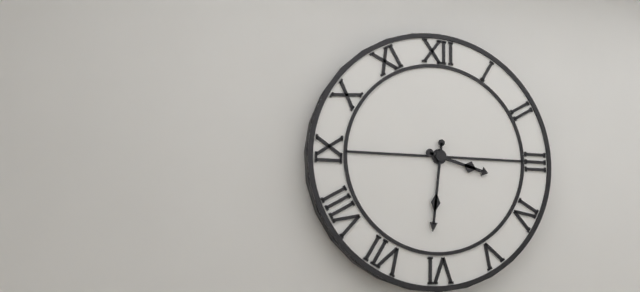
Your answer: 3.31
